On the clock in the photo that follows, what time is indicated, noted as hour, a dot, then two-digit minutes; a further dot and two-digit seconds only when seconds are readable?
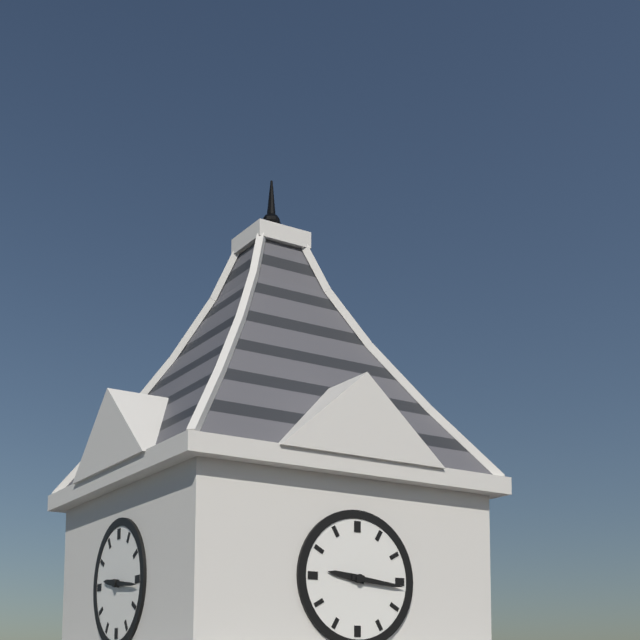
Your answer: 9.16
